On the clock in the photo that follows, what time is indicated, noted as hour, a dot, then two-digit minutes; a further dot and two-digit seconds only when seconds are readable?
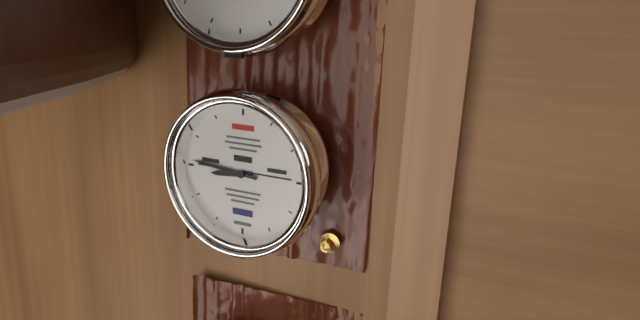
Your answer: 8.46
